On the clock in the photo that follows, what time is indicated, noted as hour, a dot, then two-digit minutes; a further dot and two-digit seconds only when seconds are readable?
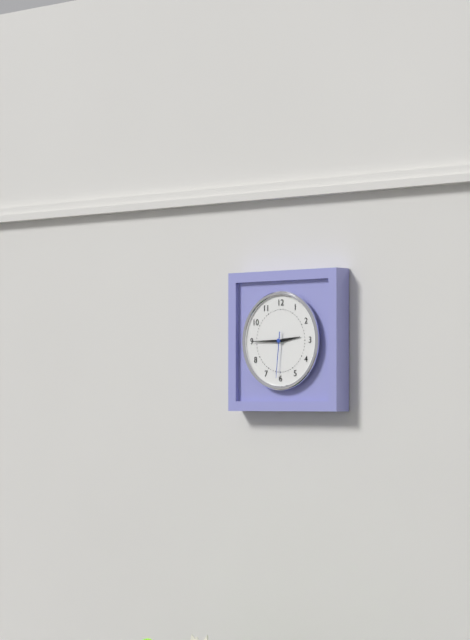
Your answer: 2.45
